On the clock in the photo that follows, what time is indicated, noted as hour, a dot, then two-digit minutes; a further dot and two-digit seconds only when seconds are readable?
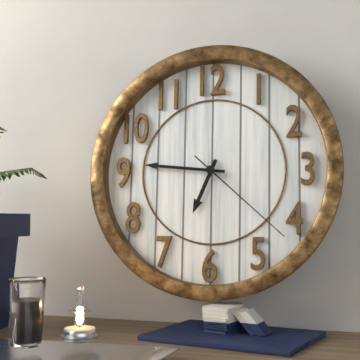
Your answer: 6.46.22
